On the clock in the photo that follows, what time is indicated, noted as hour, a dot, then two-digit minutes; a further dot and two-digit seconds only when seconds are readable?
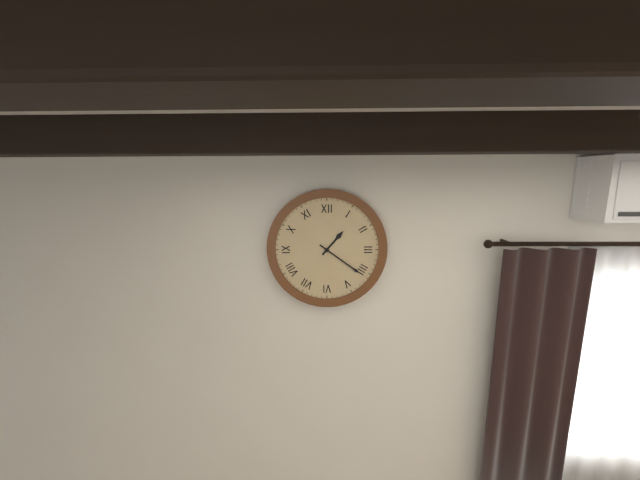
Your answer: 1.21
